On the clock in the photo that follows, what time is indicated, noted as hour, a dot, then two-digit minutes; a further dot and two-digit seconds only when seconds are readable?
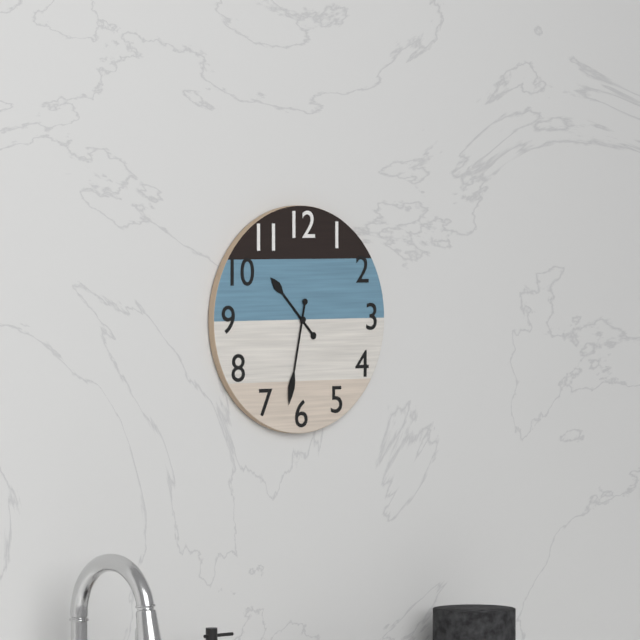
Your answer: 10.32
